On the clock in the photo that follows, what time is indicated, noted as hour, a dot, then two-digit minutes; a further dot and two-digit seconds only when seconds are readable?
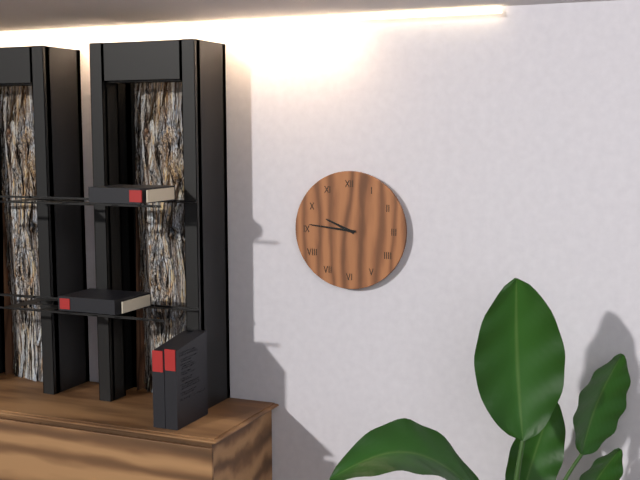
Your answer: 9.46
